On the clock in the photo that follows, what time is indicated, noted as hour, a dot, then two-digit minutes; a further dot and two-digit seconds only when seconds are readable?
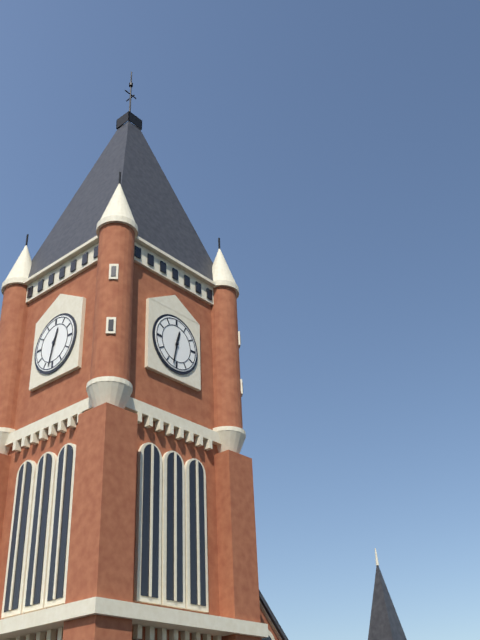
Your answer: 12.32
